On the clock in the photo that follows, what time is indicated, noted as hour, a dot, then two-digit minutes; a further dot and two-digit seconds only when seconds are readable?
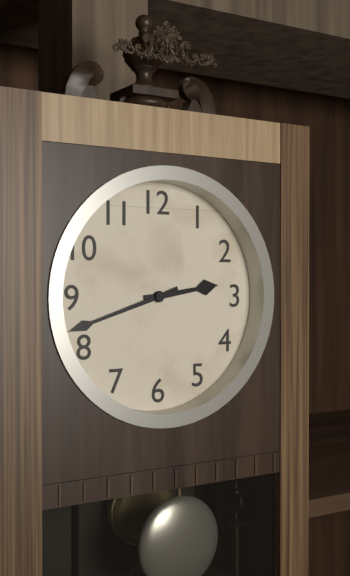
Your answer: 2.42
